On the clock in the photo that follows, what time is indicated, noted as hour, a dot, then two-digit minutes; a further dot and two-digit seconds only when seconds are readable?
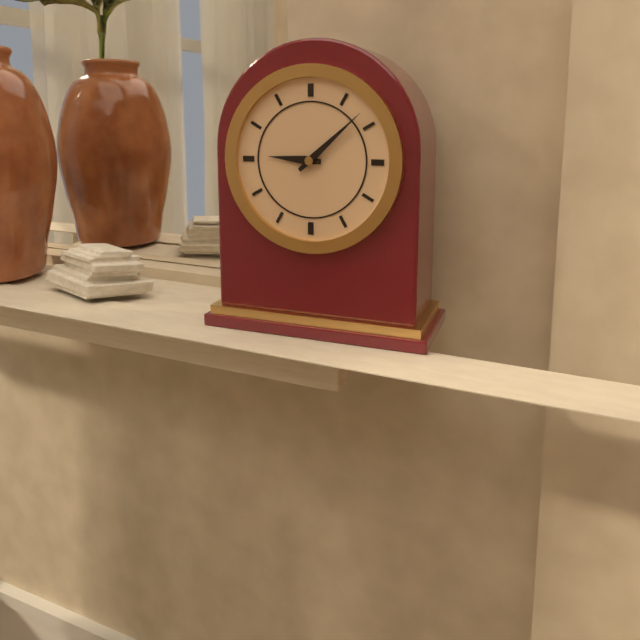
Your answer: 9.08
